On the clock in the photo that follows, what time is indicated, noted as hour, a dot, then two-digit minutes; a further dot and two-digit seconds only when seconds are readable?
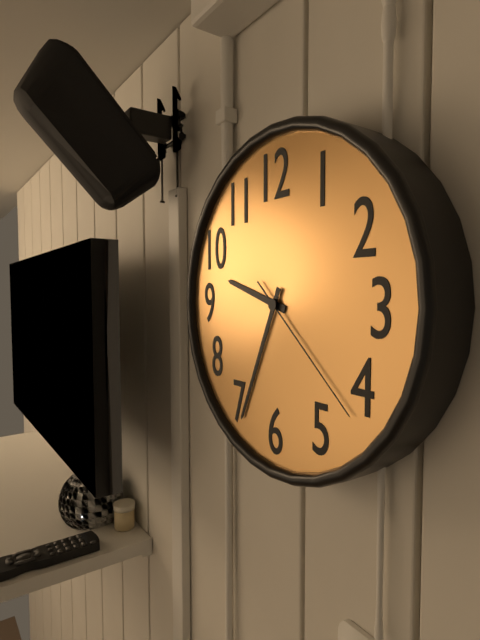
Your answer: 9.34.22
